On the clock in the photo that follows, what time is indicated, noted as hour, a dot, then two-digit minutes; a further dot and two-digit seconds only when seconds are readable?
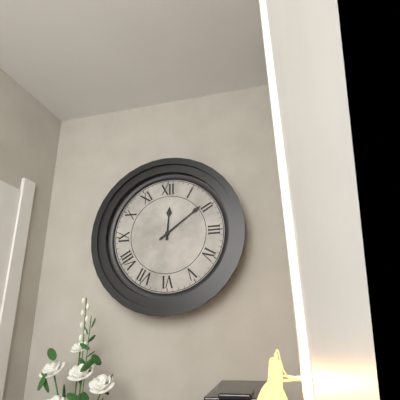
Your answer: 12.09
